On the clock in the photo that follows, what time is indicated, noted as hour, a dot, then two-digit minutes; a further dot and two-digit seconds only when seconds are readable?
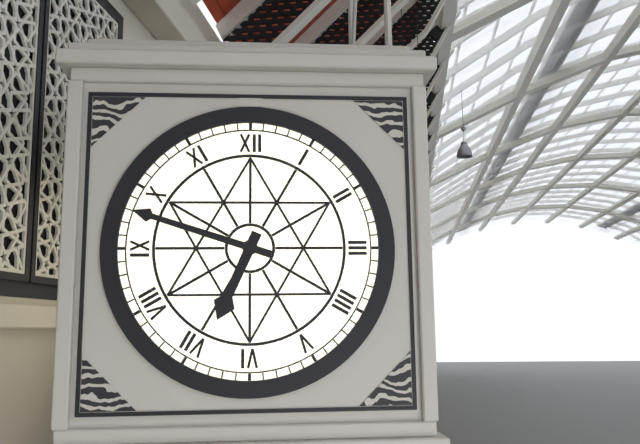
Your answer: 6.48
